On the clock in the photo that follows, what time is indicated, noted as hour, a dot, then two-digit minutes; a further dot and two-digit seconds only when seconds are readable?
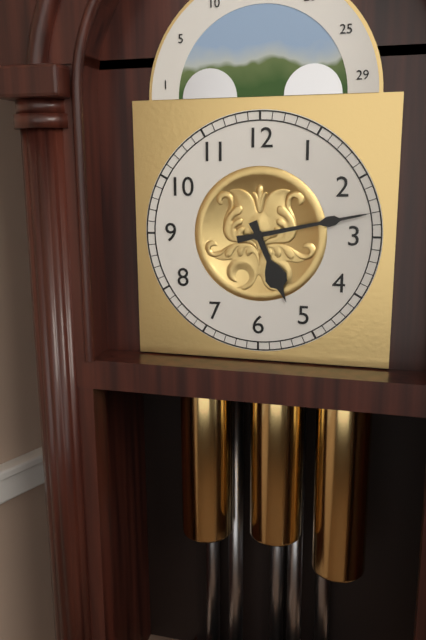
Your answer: 5.13
